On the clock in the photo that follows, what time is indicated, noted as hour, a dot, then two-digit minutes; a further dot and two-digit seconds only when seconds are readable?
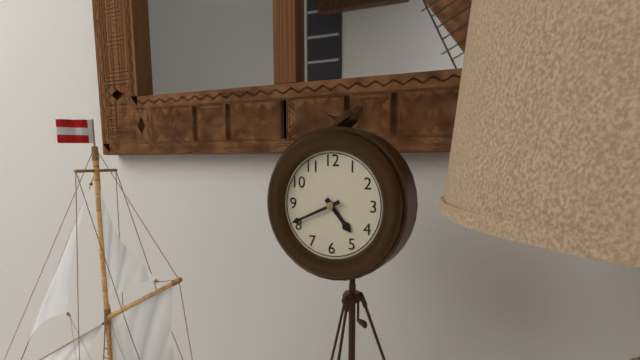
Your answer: 4.41
